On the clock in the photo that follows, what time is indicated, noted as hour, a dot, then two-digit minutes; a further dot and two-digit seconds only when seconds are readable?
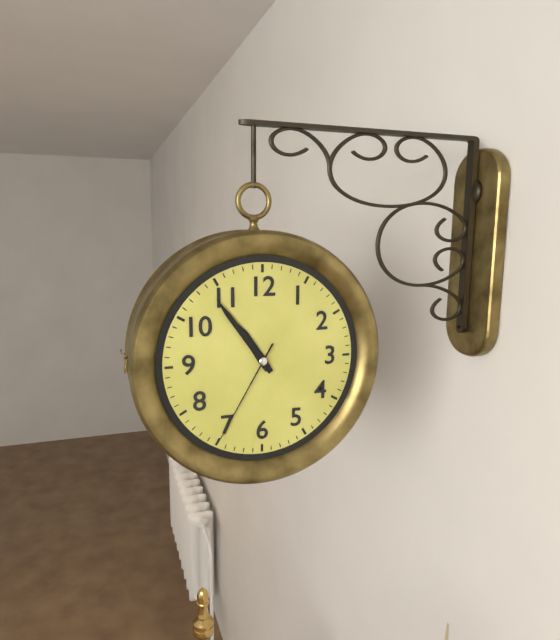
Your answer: 10.54.35
